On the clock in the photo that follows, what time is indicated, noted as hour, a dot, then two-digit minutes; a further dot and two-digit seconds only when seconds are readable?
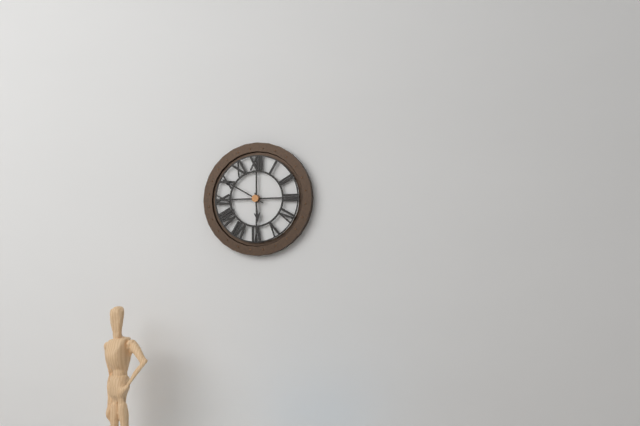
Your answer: 5.50
